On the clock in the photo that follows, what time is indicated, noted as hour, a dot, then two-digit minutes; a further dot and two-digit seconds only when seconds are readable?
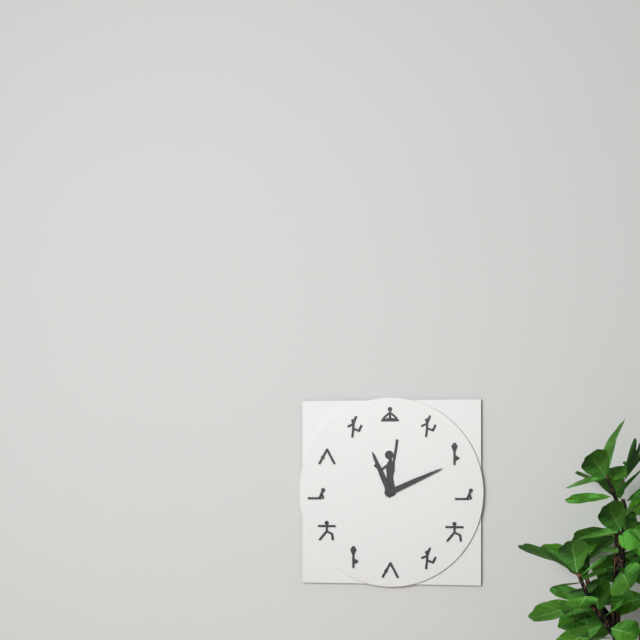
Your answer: 11.11
